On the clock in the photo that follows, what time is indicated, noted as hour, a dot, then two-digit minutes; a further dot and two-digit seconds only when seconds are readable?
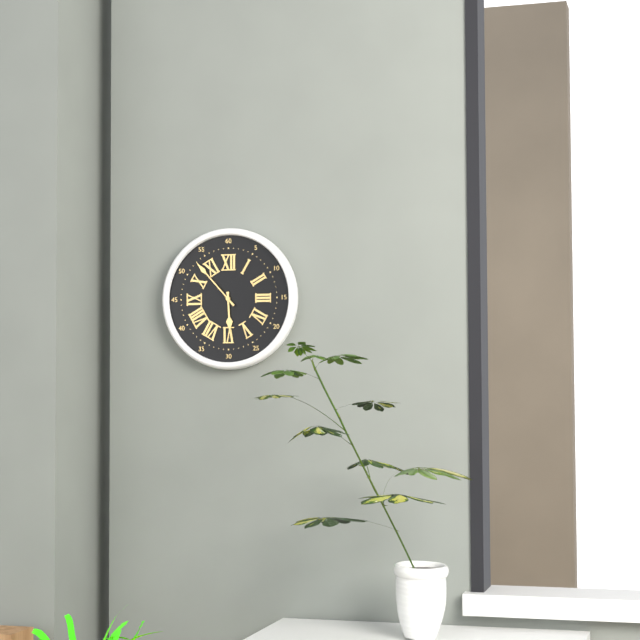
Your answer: 5.53
